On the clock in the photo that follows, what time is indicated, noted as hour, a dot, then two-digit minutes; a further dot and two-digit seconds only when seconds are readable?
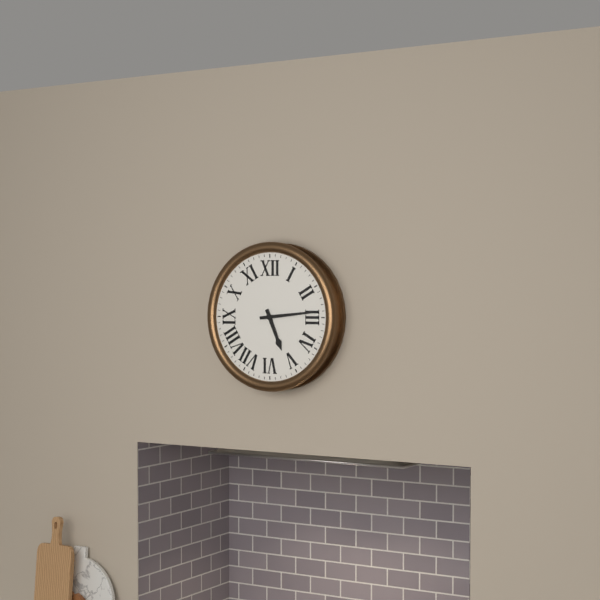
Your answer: 5.14
